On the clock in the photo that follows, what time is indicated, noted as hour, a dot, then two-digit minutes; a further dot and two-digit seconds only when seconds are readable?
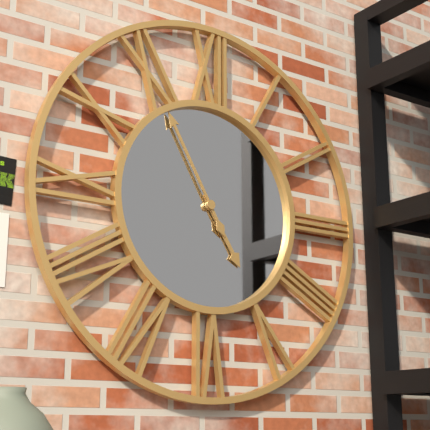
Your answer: 4.55
